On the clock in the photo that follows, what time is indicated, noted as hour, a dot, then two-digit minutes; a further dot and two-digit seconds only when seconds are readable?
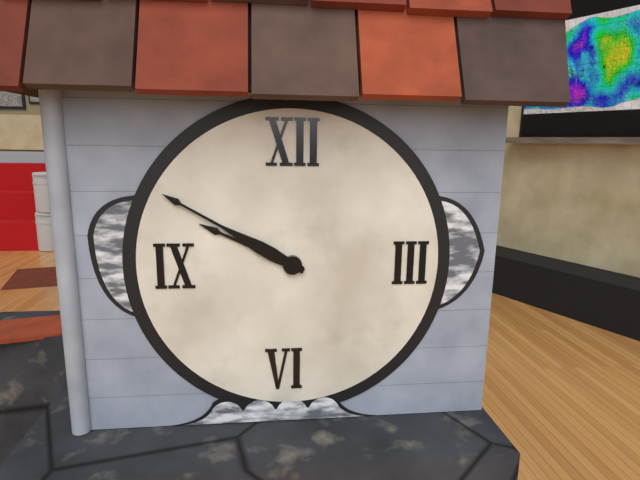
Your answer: 9.50
